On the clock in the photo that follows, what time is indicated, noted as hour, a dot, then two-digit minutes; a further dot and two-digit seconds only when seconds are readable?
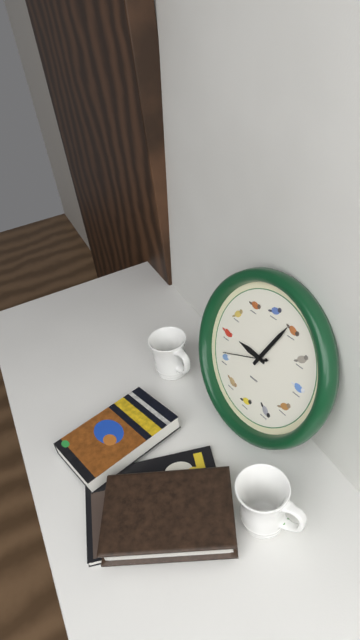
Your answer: 9.04.41
